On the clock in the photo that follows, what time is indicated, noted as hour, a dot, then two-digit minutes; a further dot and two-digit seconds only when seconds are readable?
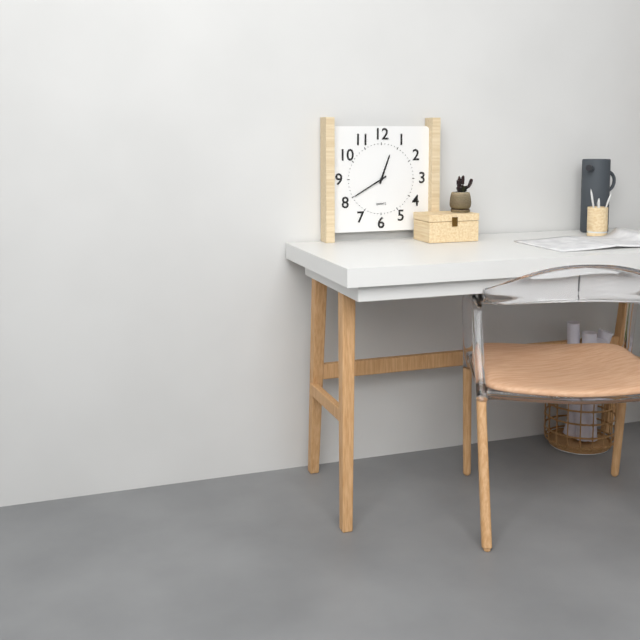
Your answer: 12.40
